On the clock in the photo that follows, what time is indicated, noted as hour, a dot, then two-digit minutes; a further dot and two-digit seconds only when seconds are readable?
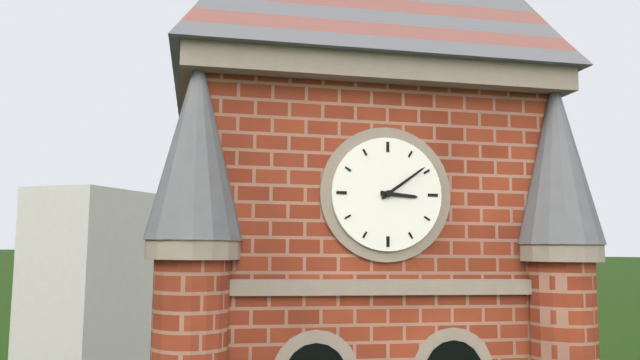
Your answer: 3.09
